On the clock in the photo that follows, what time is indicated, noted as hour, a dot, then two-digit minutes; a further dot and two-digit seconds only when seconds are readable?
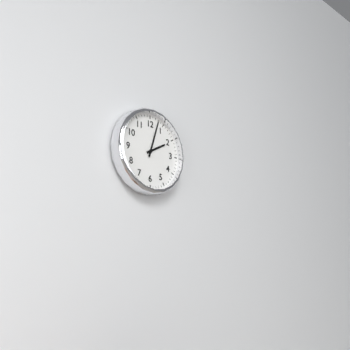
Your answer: 2.03
